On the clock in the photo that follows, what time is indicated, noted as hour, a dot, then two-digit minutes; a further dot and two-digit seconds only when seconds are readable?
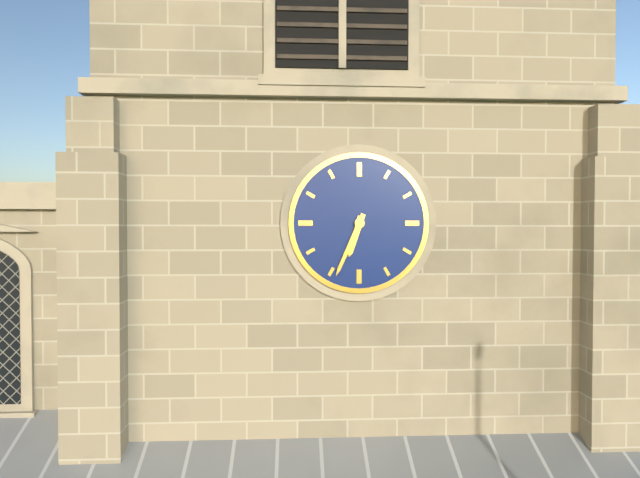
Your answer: 6.34
